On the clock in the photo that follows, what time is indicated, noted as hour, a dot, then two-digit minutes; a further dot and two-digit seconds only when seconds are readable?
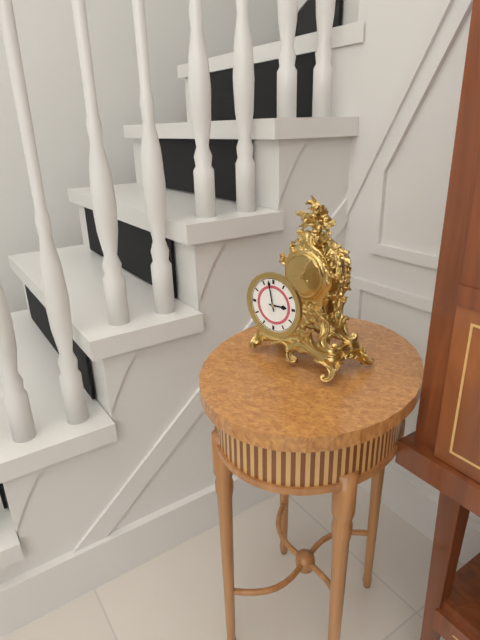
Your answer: 2.58
